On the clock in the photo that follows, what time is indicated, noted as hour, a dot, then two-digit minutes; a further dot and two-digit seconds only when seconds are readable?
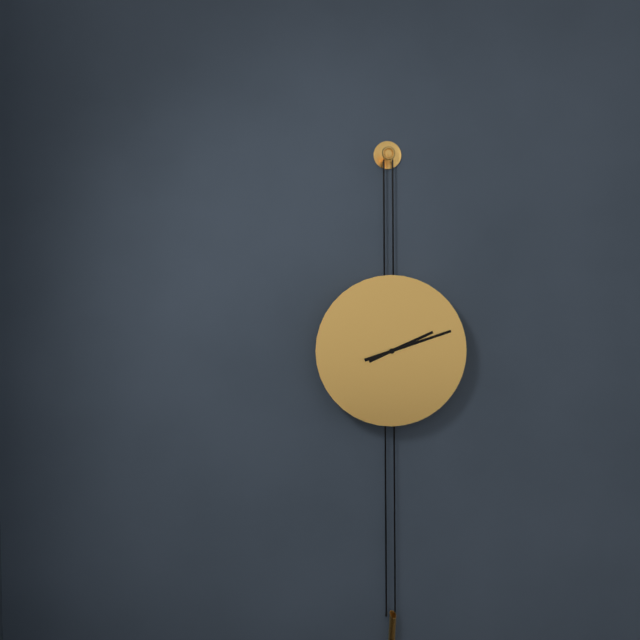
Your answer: 2.12
